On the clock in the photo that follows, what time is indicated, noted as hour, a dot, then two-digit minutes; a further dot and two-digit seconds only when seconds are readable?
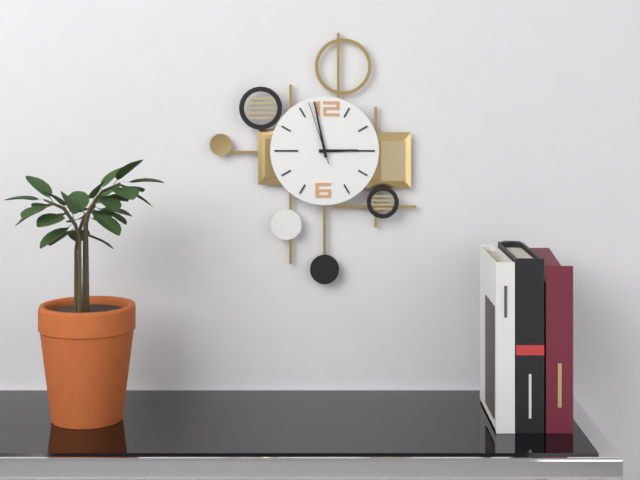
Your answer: 2.58.57
